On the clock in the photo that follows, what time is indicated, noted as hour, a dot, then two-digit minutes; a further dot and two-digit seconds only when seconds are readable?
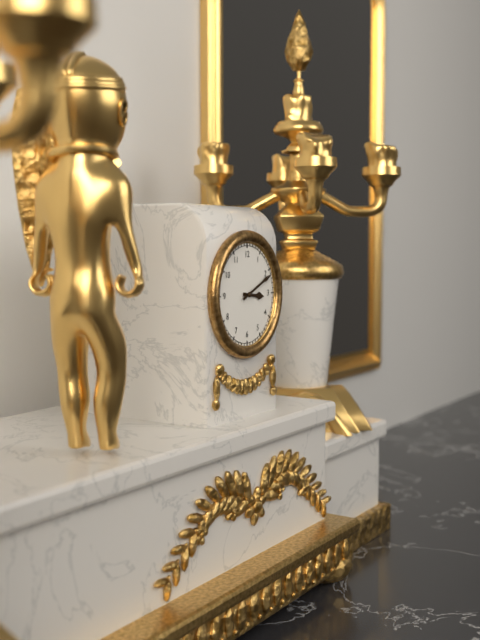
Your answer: 3.11
